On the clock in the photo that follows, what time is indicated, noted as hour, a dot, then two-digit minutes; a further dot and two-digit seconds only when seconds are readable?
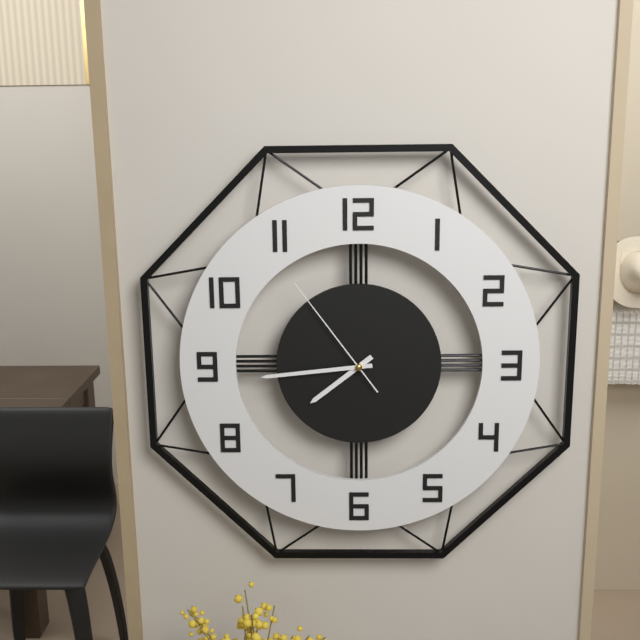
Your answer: 7.44.54
